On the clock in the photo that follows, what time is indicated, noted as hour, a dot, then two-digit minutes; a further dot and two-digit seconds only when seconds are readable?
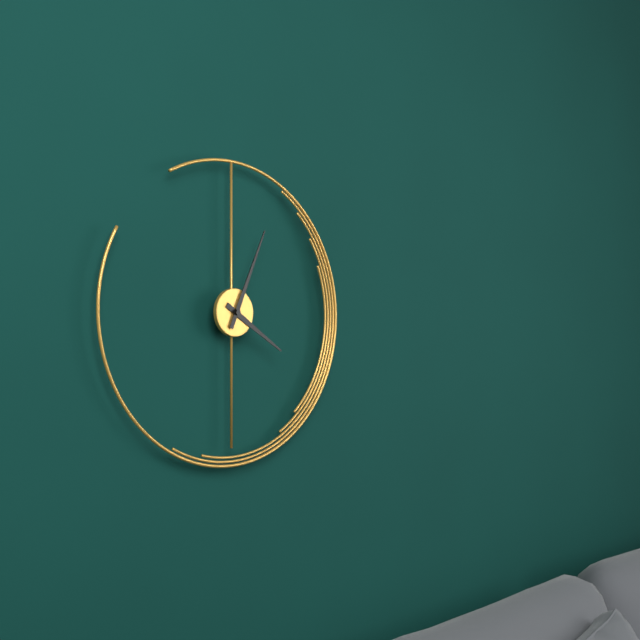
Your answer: 4.04
